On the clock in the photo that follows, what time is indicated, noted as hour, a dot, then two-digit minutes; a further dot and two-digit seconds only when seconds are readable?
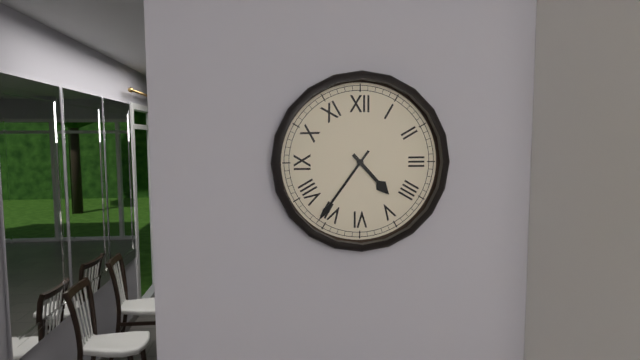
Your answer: 4.36
